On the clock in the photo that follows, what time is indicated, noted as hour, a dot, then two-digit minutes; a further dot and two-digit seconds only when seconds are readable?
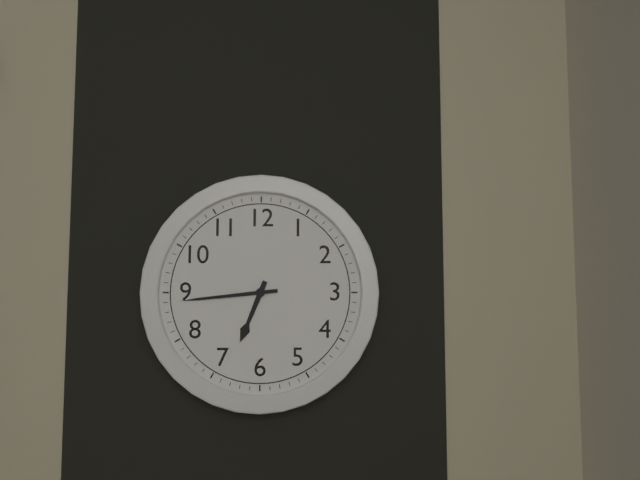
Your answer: 6.44
